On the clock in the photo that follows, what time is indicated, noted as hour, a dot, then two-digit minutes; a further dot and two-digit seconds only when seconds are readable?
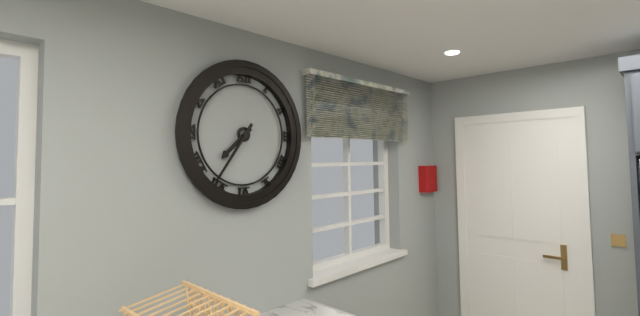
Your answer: 7.36
